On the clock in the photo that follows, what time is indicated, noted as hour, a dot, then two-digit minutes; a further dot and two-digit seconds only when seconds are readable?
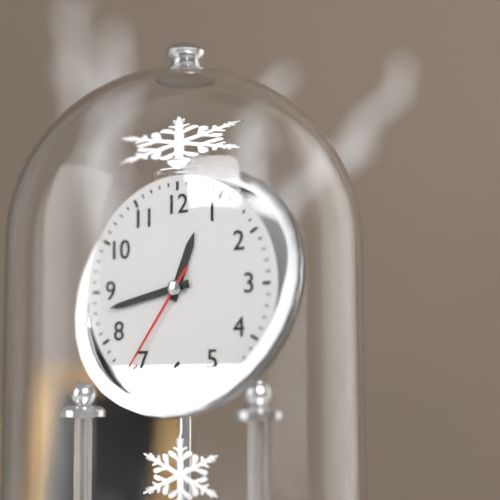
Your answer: 12.43.36
